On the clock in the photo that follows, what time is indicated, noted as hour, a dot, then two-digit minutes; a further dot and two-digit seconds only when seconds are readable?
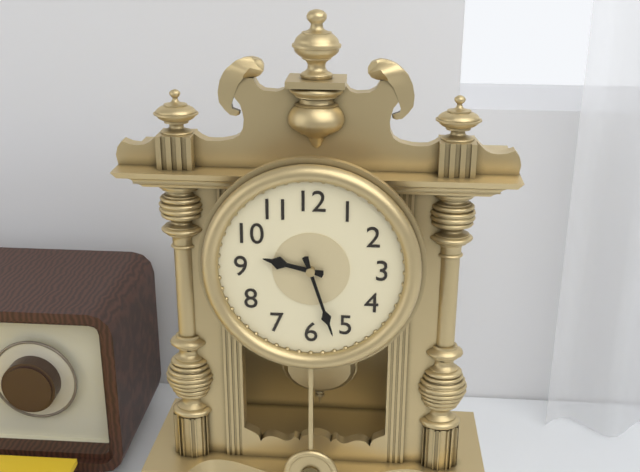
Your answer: 9.27
